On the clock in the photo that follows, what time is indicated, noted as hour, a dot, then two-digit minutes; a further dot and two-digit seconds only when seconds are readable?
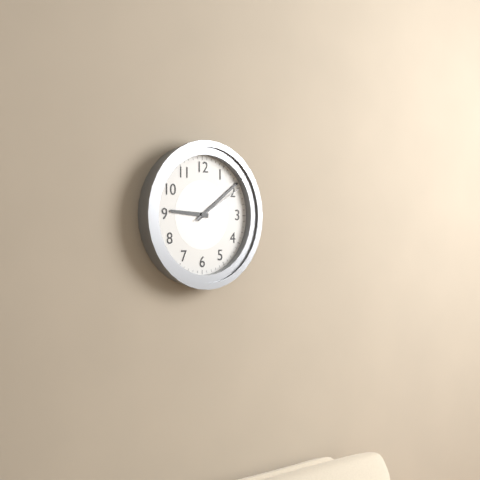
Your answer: 9.09.10
